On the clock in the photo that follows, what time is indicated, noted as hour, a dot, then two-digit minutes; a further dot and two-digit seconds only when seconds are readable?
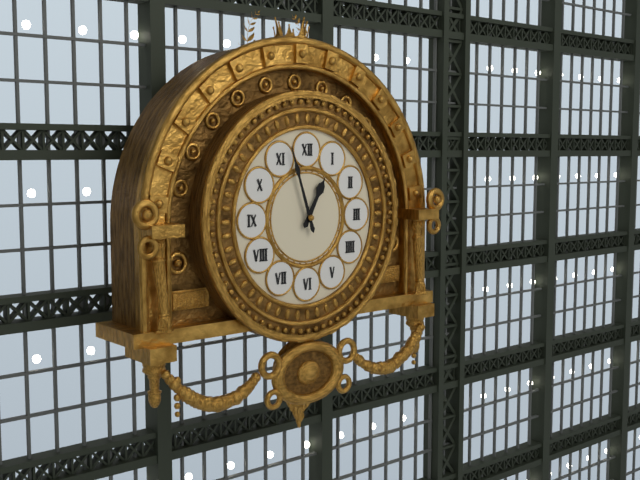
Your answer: 12.57
